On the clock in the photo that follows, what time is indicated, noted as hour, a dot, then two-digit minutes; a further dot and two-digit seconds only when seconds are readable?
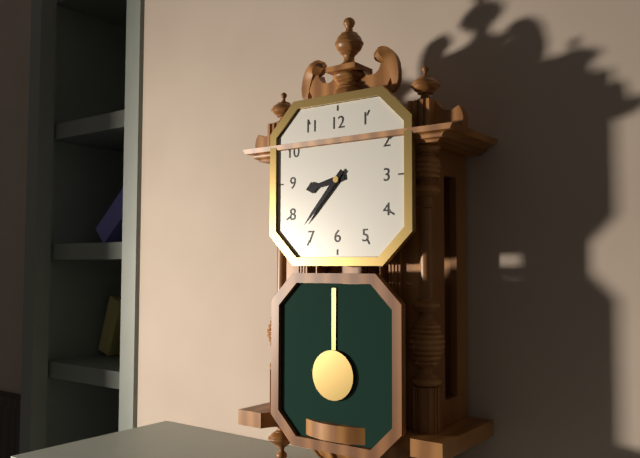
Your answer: 8.37
